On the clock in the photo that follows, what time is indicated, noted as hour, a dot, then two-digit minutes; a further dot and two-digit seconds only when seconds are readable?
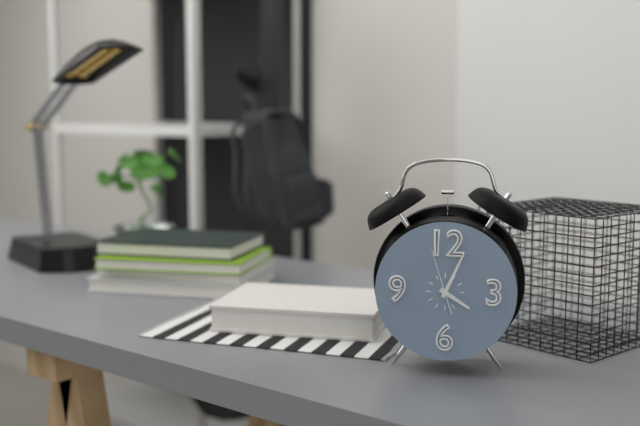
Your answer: 4.04.57
